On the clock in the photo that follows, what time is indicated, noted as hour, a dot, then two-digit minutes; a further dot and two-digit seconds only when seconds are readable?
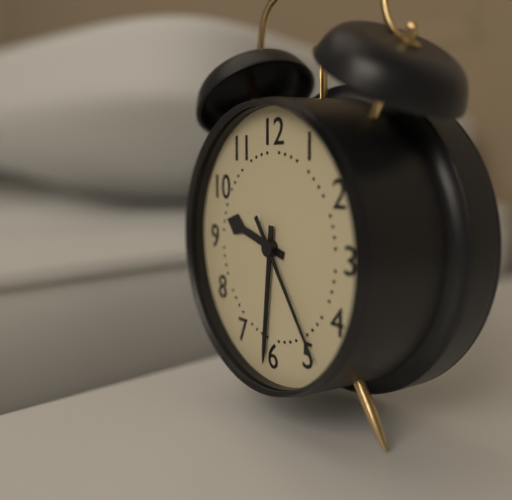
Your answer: 9.31.24
